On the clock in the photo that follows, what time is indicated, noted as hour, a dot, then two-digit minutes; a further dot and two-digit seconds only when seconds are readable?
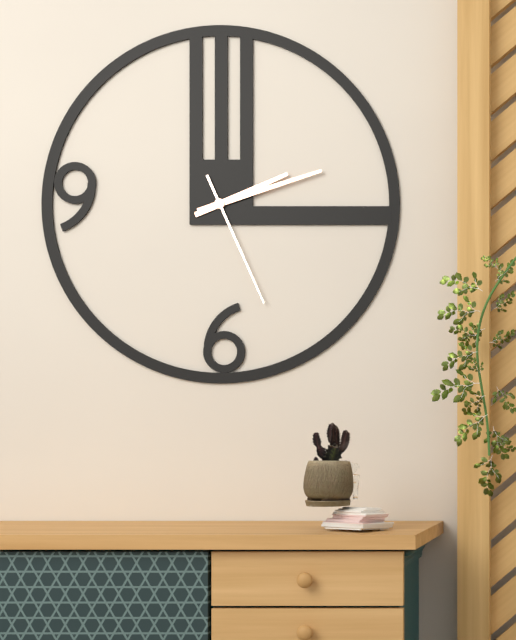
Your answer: 2.12.26
